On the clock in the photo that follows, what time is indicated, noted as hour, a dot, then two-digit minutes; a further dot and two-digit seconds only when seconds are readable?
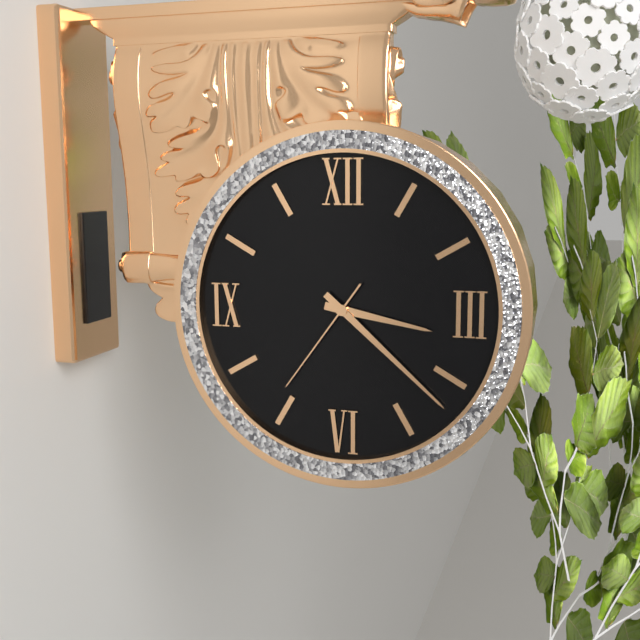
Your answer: 3.22.36
